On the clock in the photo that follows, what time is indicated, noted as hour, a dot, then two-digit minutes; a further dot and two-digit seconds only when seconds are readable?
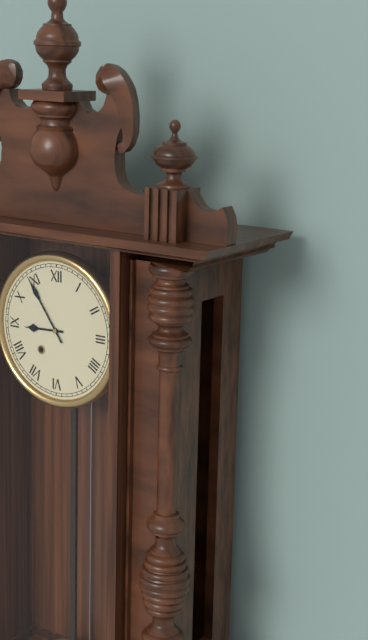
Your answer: 8.54
